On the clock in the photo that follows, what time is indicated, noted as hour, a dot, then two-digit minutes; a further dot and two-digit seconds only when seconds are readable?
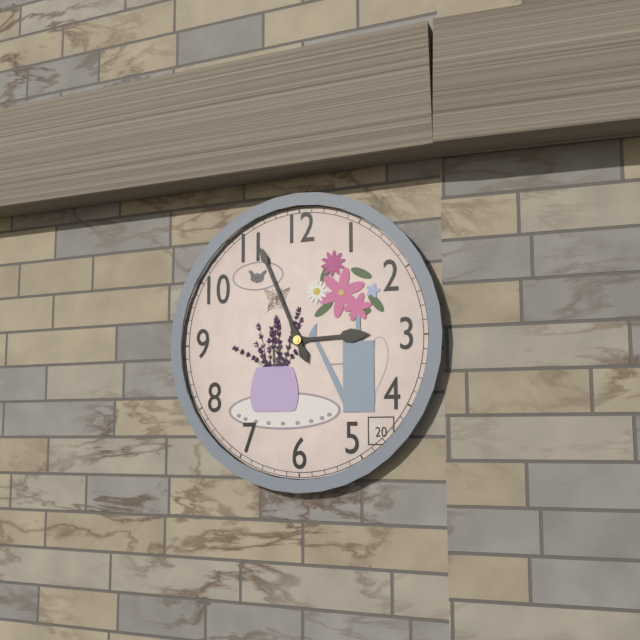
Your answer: 2.56
